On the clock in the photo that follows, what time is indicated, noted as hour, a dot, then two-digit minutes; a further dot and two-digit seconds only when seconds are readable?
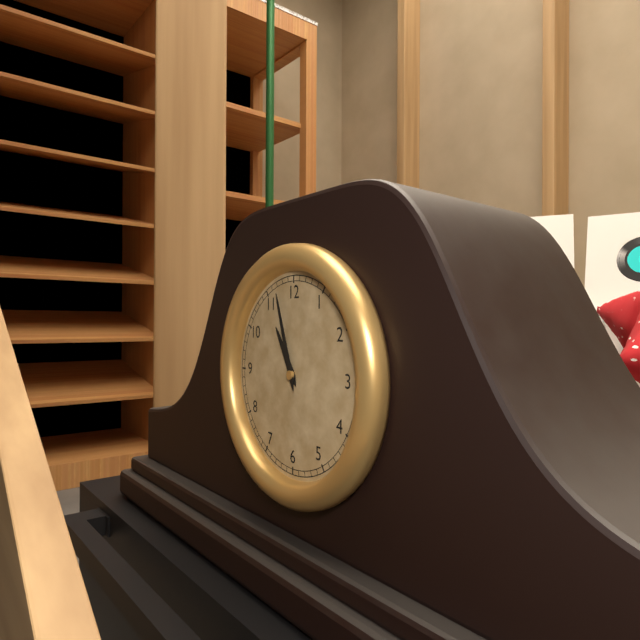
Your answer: 10.57
